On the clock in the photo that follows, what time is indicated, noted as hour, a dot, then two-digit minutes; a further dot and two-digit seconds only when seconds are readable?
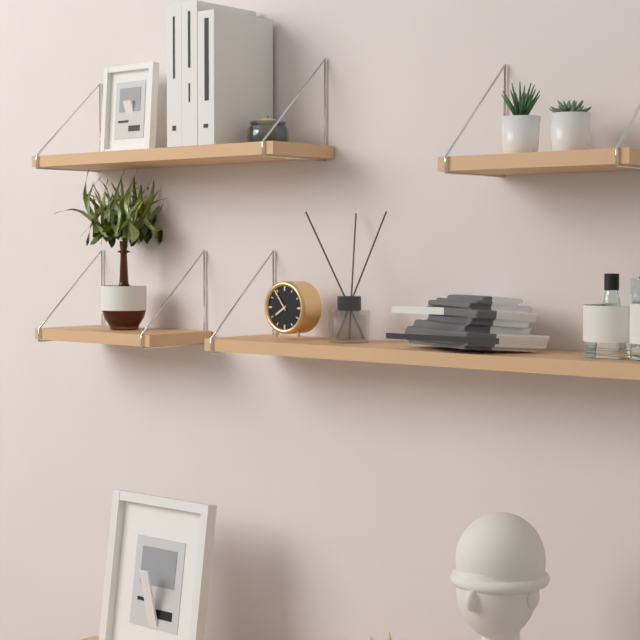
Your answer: 7.54
